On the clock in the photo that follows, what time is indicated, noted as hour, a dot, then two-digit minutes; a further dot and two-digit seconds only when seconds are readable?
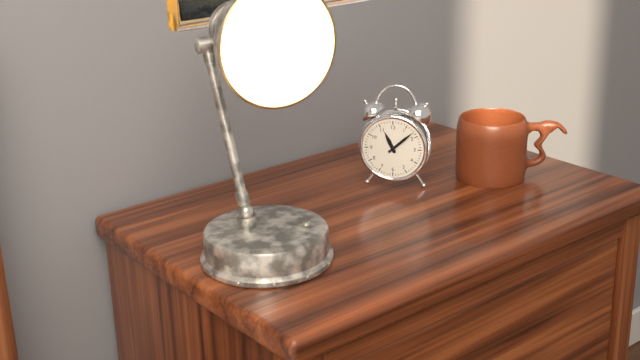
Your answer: 11.08
